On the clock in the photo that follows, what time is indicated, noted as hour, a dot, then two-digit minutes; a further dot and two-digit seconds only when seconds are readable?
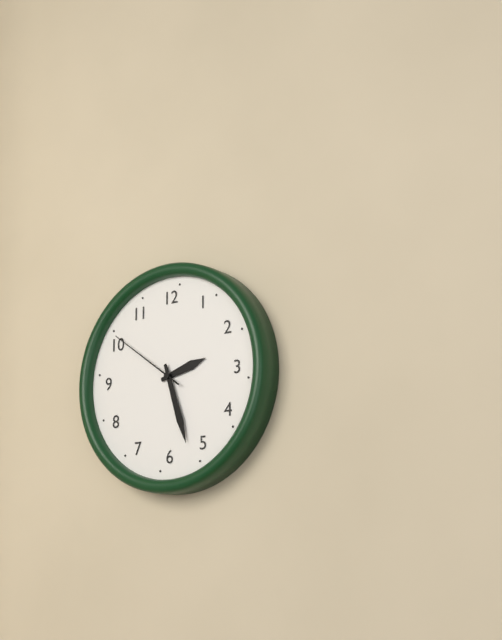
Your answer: 2.27.51
